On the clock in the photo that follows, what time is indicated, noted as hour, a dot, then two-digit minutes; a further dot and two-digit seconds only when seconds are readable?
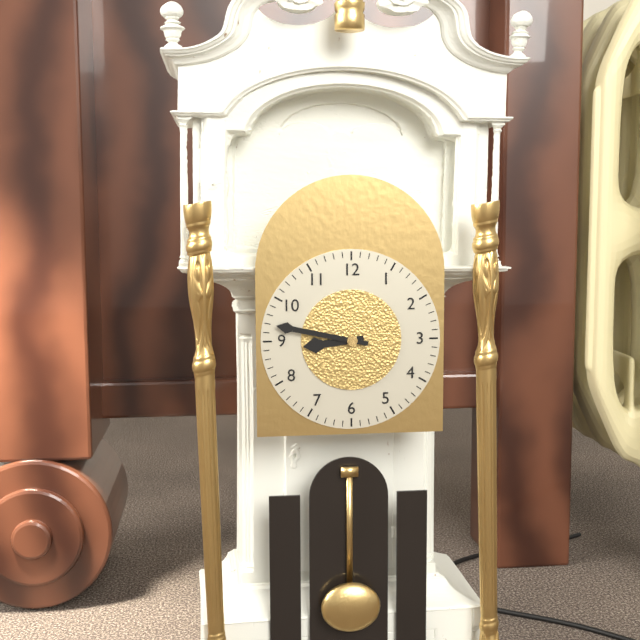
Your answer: 8.47
